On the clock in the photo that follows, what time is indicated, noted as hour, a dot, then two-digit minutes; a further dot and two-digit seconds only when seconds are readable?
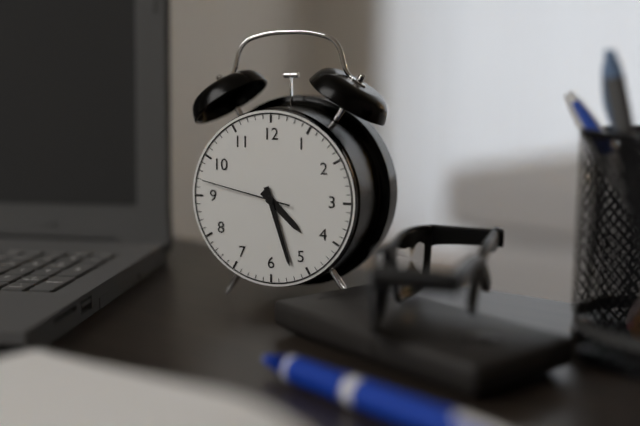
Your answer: 4.27.47
